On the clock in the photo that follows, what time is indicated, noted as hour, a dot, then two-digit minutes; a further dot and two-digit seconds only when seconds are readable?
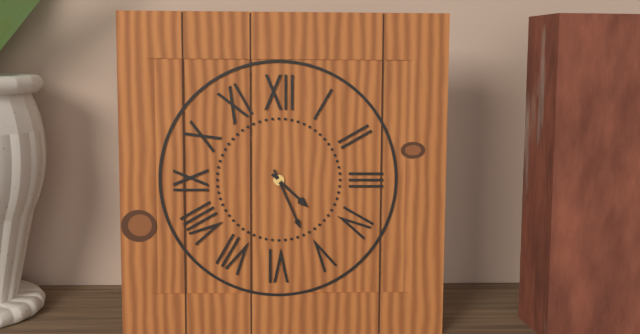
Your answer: 4.26
